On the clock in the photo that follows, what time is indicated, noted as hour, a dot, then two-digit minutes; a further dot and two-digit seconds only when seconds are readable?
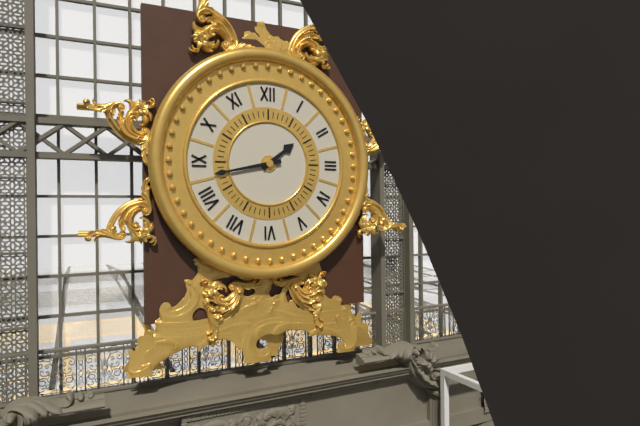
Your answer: 1.43
